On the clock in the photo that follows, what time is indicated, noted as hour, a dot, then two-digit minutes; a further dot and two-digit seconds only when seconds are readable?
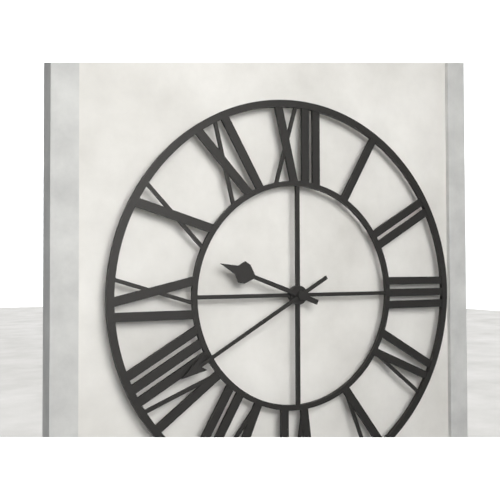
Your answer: 9.40
